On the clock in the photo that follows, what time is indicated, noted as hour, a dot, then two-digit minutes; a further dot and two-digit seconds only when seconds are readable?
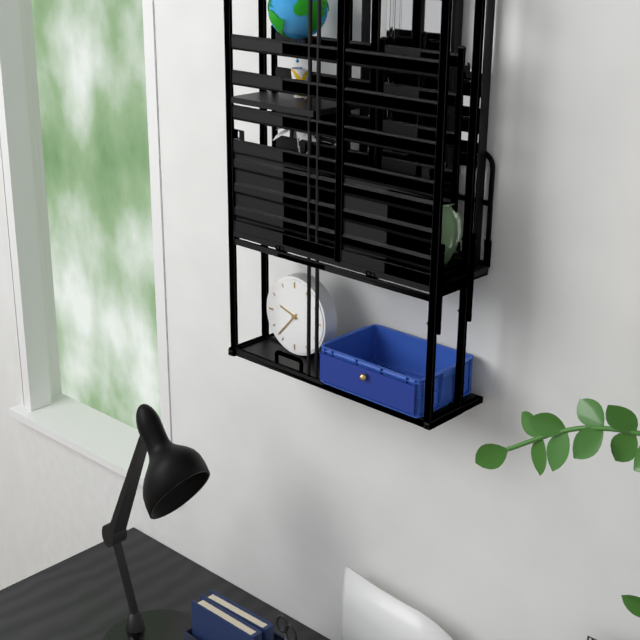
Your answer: 9.37
